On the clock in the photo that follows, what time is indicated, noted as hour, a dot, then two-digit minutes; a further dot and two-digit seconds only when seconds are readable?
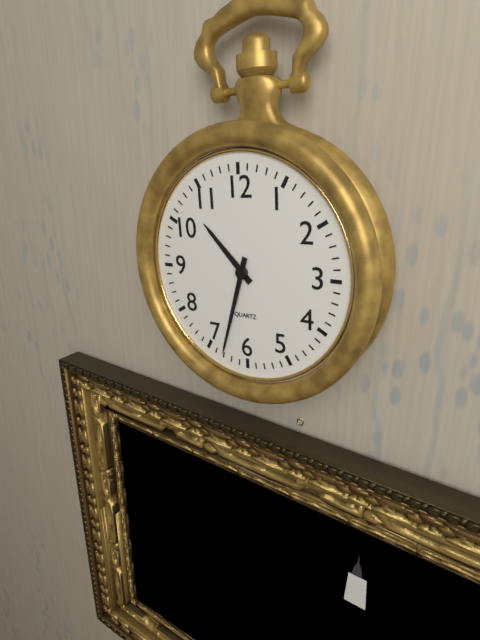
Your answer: 10.33
